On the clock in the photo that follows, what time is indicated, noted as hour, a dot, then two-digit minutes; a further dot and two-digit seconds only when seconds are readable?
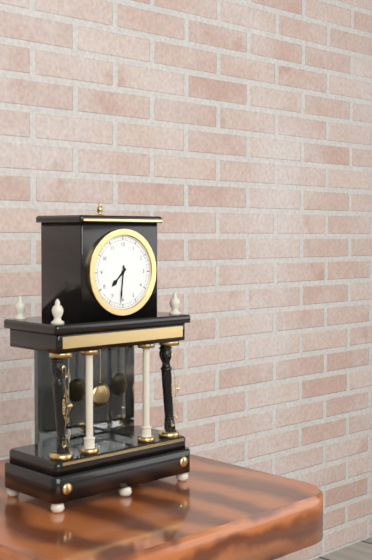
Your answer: 7.31
